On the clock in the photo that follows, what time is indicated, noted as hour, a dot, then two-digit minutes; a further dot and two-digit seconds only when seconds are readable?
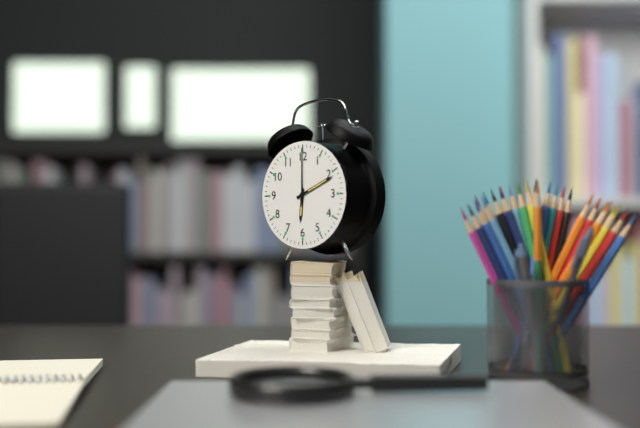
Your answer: 6.11.00
